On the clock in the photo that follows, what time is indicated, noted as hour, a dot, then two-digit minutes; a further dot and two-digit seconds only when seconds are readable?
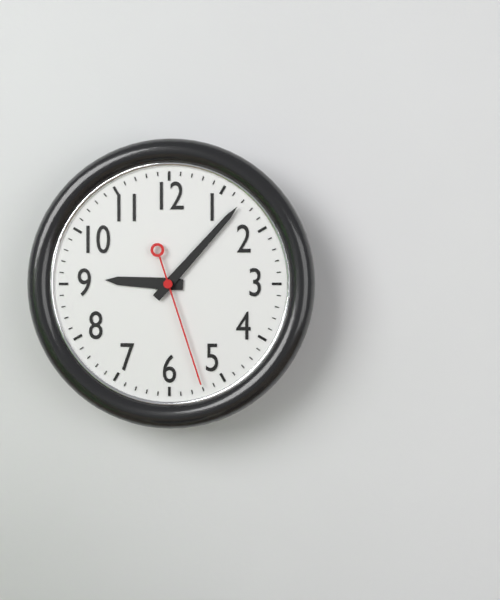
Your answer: 9.07.27
